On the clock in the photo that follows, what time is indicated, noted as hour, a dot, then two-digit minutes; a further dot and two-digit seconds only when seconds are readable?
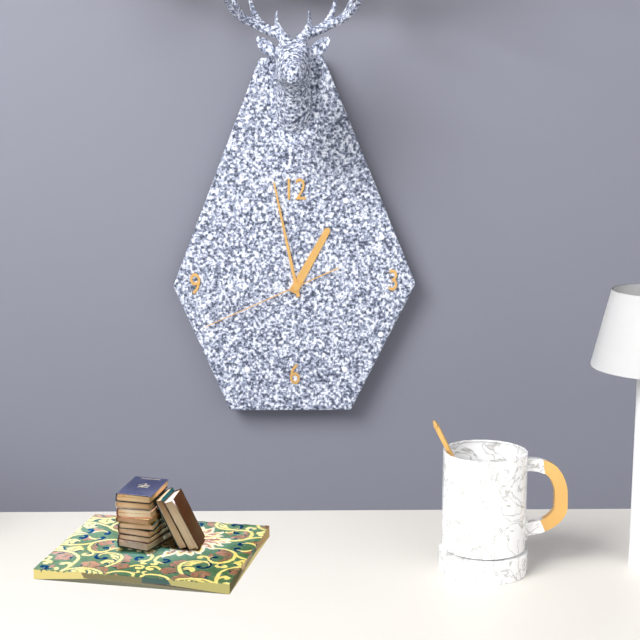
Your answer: 12.58.41
